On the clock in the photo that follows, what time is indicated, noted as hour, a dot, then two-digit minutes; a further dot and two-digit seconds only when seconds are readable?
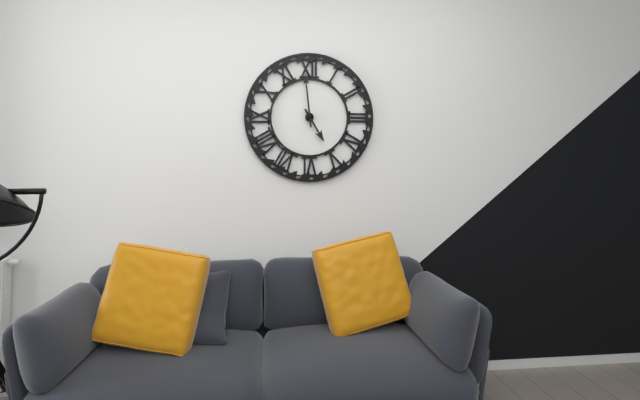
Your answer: 4.59
